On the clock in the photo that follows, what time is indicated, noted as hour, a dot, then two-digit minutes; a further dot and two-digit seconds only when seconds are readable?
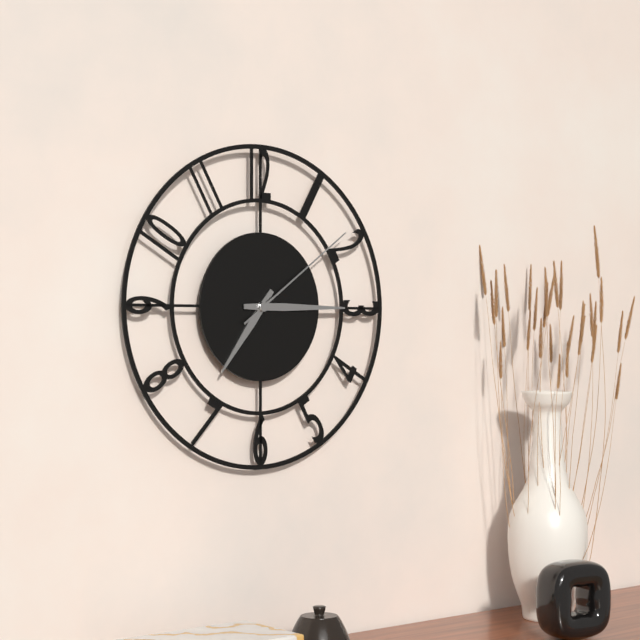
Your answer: 7.15.09
